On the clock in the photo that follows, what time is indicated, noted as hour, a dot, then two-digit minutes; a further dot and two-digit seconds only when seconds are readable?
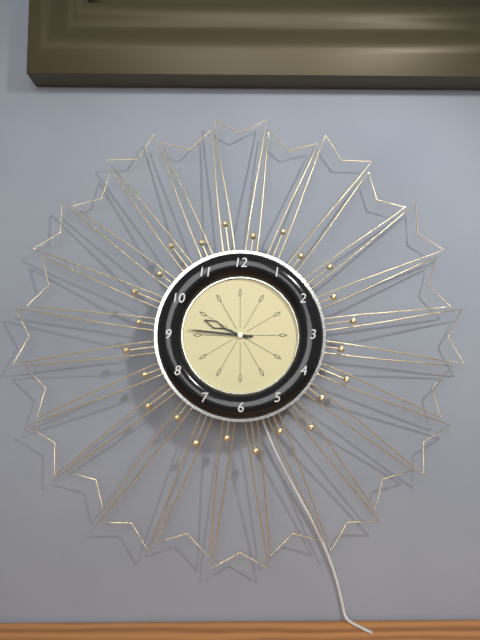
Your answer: 9.46
